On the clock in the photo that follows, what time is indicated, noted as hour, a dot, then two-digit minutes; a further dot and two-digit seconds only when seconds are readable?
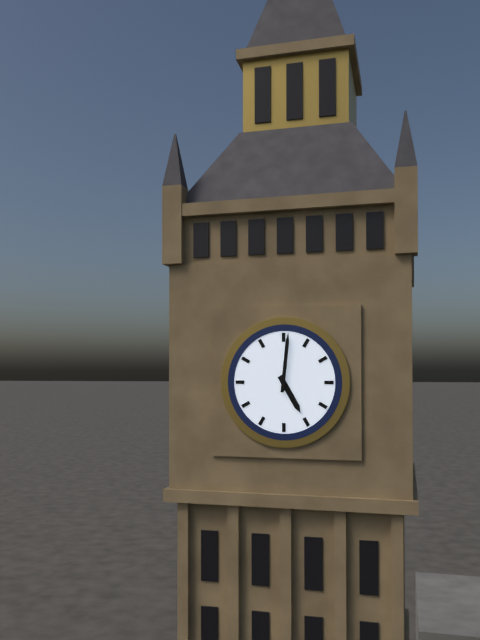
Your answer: 5.01
